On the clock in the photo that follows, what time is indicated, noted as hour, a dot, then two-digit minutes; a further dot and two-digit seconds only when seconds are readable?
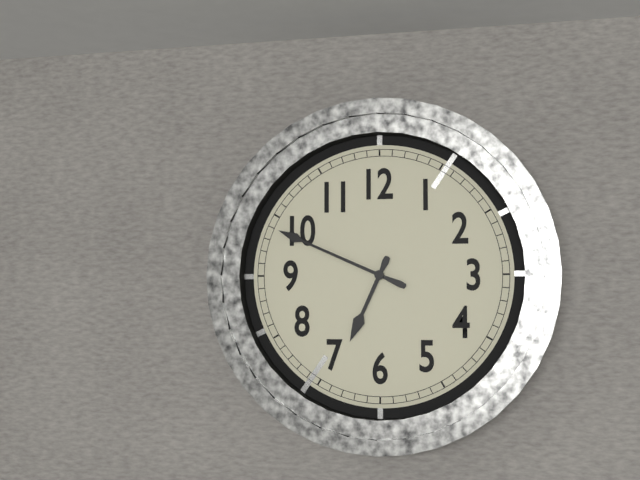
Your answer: 6.49
